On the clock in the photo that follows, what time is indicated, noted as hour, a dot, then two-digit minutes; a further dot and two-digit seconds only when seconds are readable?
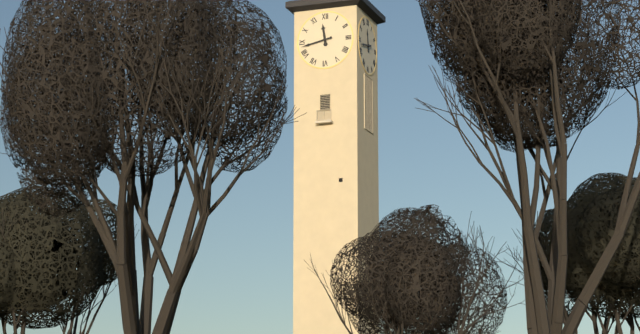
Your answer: 11.43
